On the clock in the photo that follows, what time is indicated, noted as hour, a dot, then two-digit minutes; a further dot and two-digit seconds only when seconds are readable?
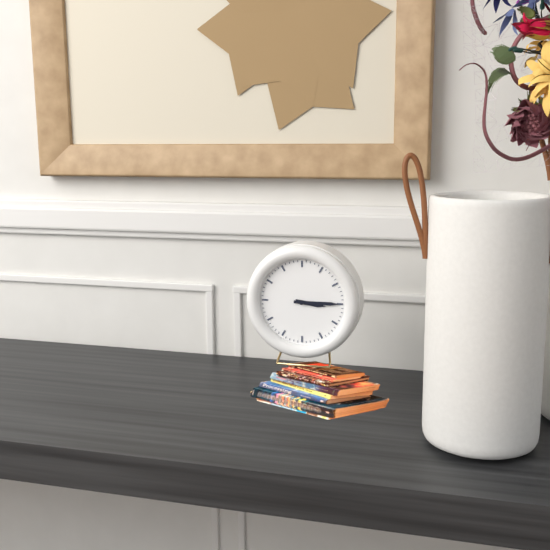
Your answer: 3.15
